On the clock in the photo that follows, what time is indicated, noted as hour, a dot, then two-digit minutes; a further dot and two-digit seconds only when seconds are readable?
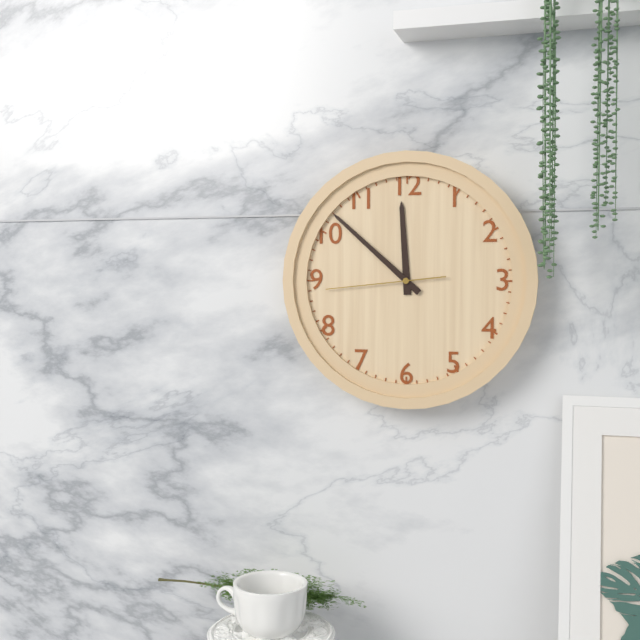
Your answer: 11.52.44
